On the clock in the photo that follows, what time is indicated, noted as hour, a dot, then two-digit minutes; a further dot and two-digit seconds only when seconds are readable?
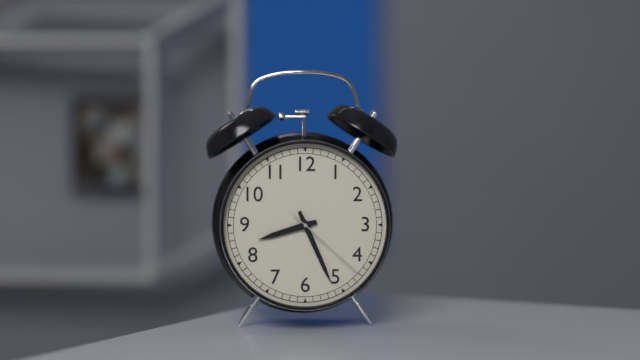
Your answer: 8.26.22
